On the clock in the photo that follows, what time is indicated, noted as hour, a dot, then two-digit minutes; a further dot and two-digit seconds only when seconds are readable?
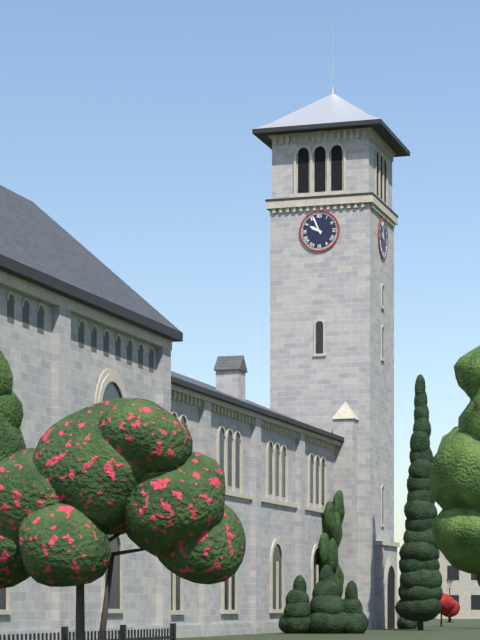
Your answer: 9.56
